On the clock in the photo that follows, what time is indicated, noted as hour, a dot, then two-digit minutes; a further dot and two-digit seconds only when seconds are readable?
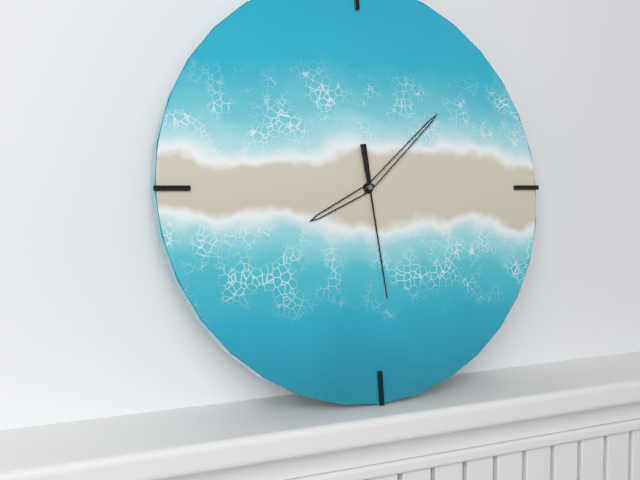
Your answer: 8.08.29
